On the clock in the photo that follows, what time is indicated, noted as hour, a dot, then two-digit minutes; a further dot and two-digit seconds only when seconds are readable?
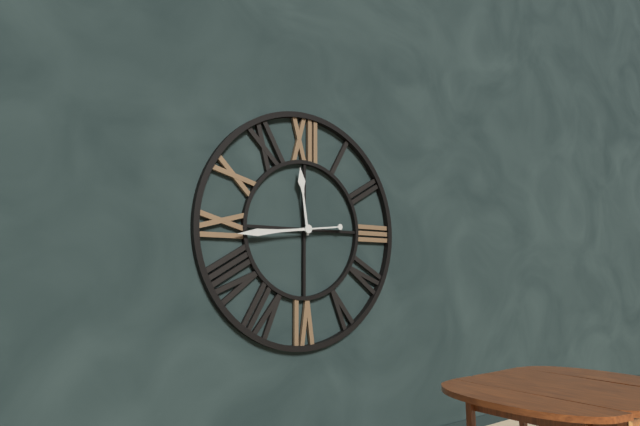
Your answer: 11.44
